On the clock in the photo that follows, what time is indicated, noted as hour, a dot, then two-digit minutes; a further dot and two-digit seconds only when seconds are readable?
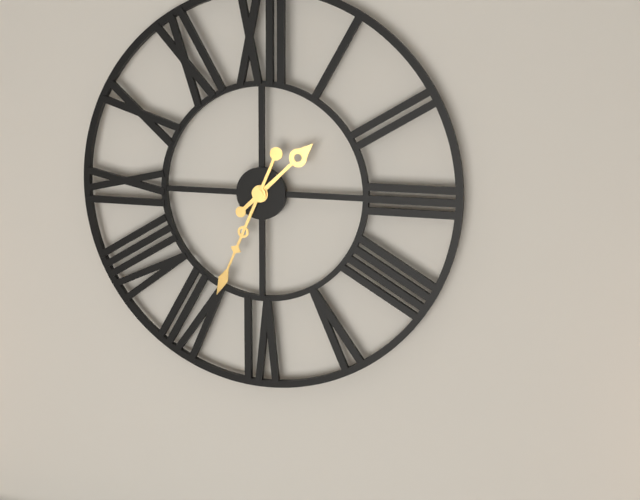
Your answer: 1.34
